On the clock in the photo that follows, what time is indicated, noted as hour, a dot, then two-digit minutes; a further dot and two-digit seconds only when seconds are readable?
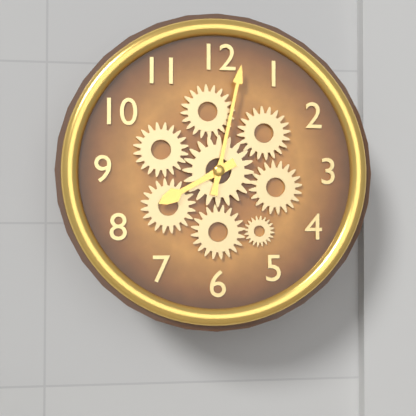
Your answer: 8.02
